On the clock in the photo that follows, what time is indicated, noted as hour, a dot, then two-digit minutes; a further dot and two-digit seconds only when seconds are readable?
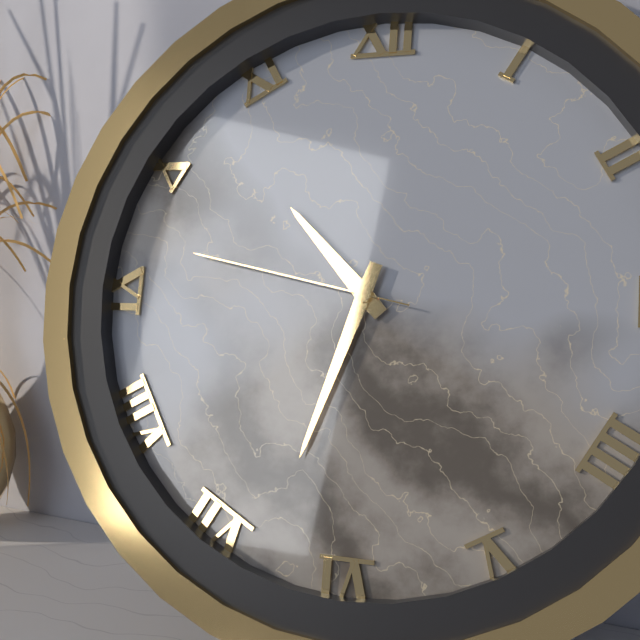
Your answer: 10.33.47
